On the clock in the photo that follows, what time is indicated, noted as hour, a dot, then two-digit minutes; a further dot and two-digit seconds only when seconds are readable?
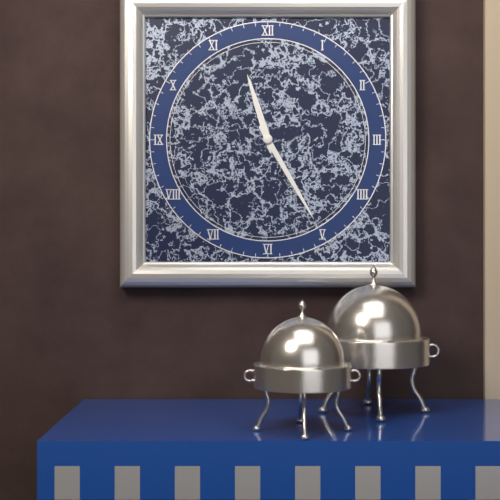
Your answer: 11.25
